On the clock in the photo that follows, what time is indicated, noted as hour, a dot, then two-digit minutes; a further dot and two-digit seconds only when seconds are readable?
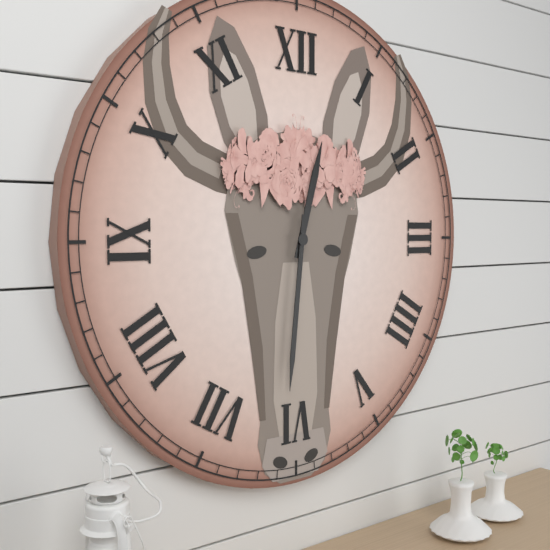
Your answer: 12.31
